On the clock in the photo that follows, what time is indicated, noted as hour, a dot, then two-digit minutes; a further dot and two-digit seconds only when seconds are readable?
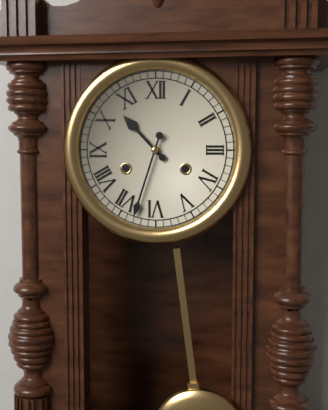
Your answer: 10.33
